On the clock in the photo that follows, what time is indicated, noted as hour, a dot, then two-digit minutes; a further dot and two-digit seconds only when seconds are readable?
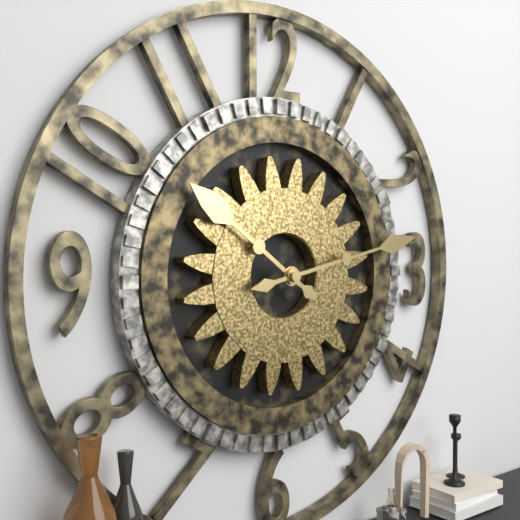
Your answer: 10.13
